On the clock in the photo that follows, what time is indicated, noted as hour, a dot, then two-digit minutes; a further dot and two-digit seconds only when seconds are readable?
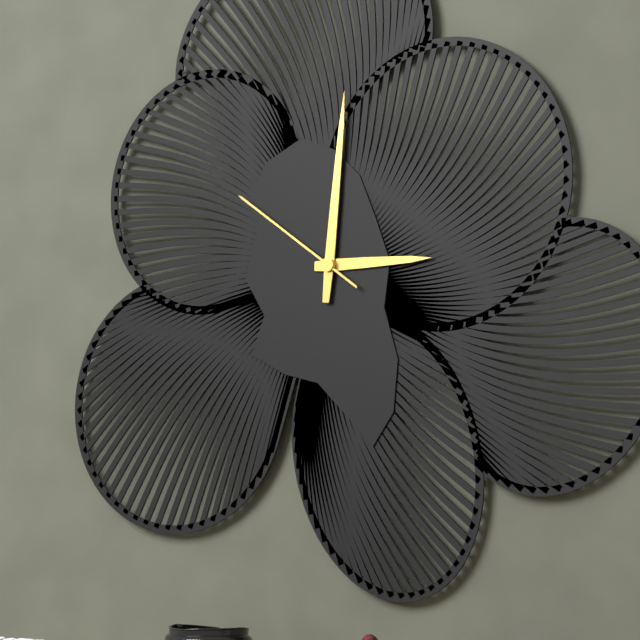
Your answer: 3.01.51
